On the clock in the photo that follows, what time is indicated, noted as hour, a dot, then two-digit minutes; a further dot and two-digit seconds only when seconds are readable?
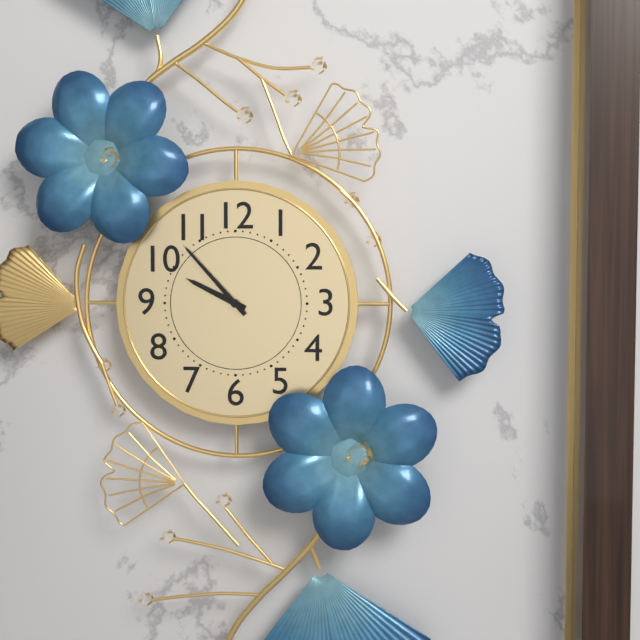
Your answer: 9.53
